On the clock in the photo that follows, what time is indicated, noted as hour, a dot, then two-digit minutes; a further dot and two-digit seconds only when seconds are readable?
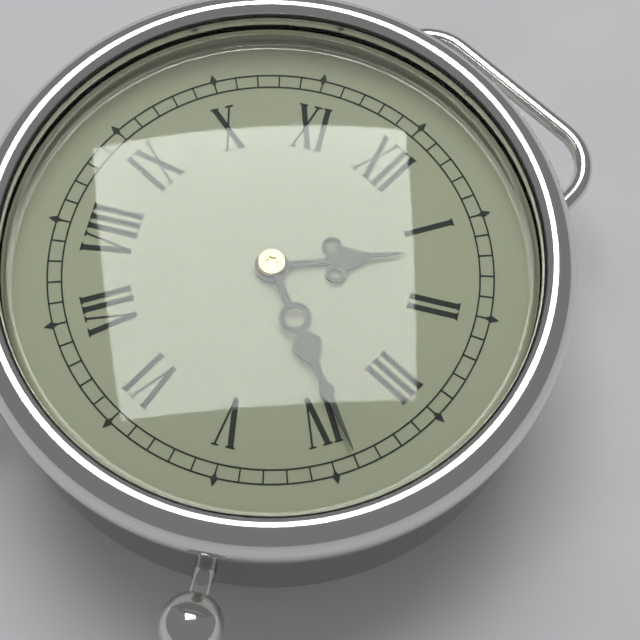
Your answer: 1.19
